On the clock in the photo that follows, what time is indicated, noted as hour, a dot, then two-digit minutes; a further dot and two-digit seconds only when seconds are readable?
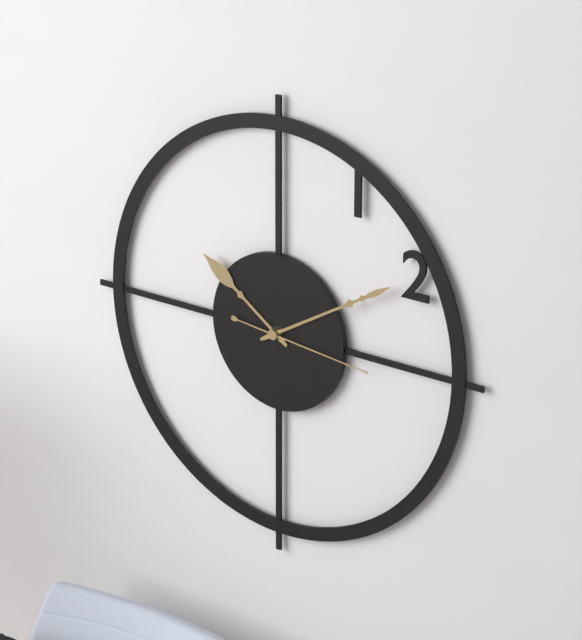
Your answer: 10.10.16
